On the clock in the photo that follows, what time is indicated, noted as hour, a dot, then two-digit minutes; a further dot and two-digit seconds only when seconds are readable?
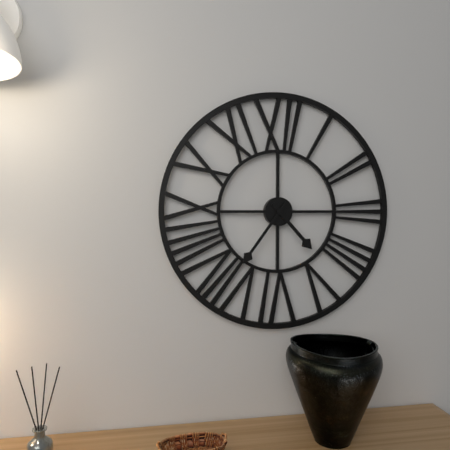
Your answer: 4.36
